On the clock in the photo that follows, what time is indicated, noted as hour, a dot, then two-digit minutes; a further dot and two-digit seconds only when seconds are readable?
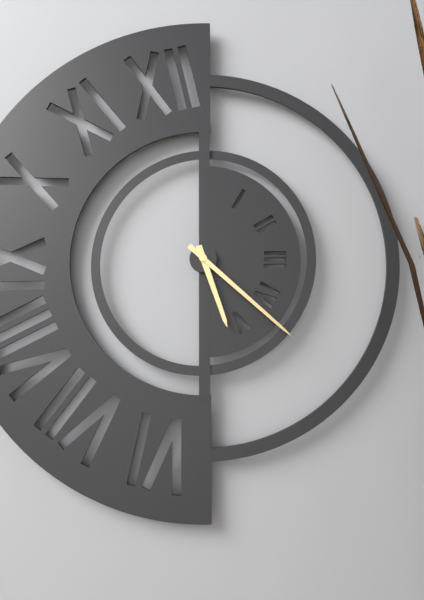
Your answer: 5.22
